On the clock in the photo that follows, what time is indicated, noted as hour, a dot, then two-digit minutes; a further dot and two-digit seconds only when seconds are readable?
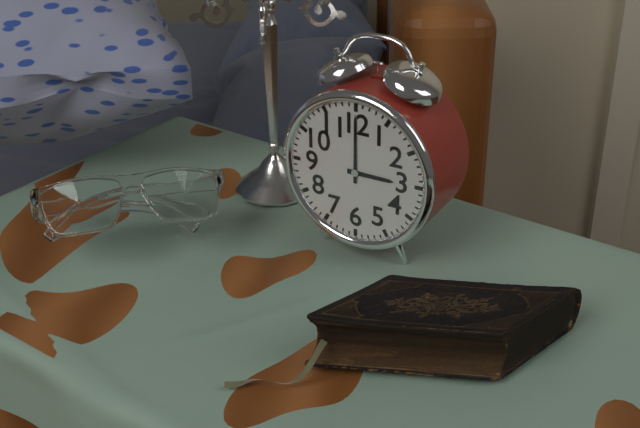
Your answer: 3.00
